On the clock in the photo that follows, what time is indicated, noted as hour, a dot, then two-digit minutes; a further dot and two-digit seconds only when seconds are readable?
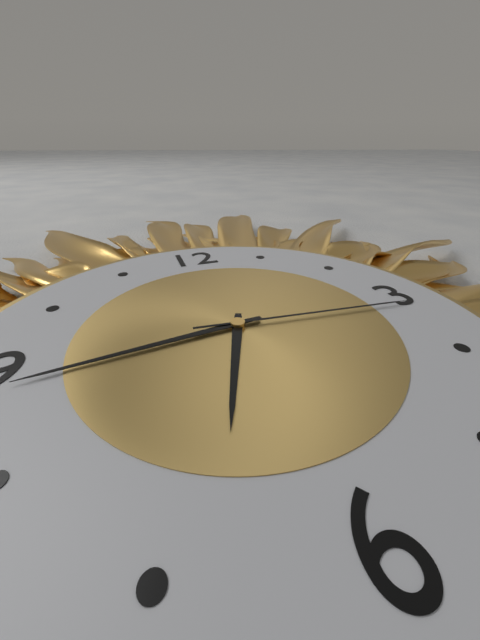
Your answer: 6.44.16
